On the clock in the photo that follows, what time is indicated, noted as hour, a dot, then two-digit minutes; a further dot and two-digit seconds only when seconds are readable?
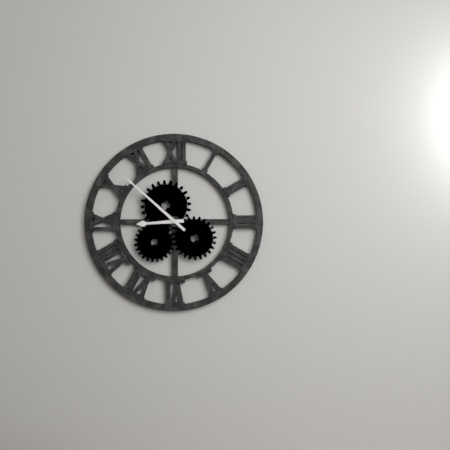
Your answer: 8.52
